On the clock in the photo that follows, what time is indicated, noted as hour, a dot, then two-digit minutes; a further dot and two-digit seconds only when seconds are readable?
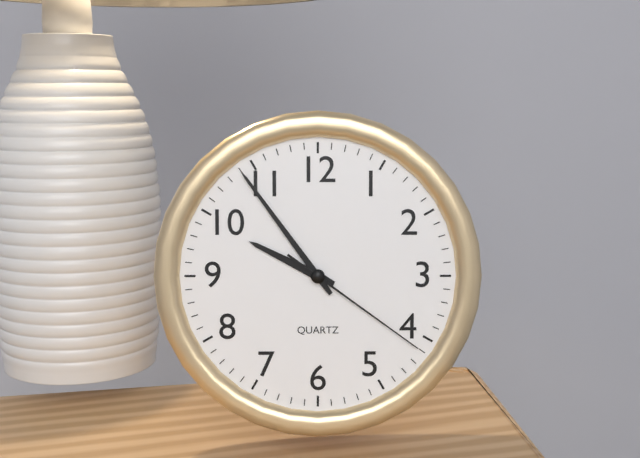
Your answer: 9.54.21
